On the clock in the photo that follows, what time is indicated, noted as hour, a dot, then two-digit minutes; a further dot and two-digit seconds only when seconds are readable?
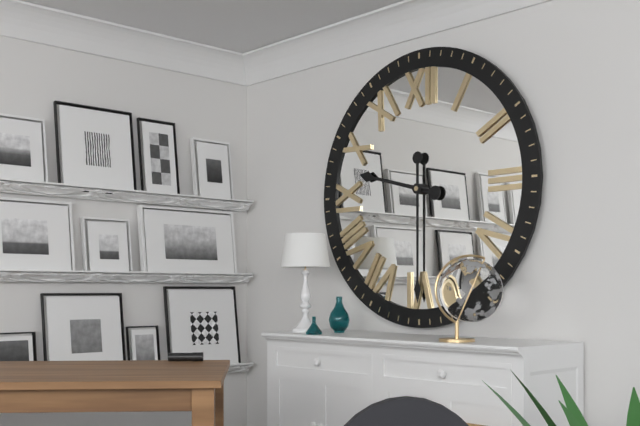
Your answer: 9.30
